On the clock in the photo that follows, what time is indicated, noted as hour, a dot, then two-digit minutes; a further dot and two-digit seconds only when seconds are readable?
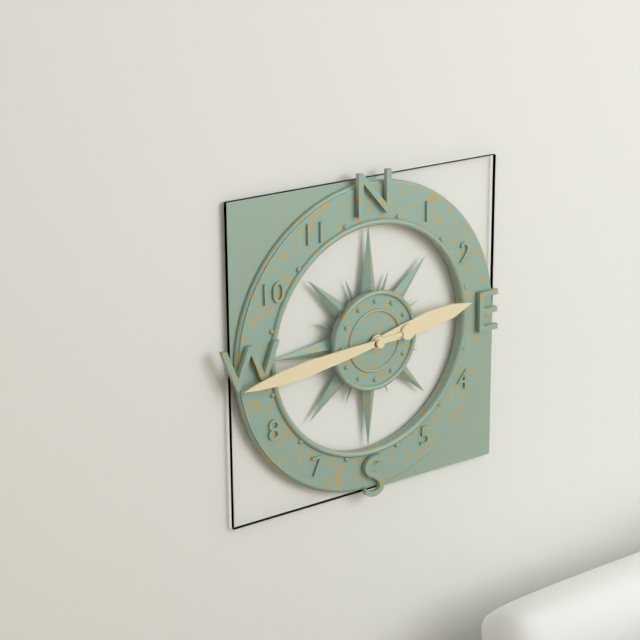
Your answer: 2.44
